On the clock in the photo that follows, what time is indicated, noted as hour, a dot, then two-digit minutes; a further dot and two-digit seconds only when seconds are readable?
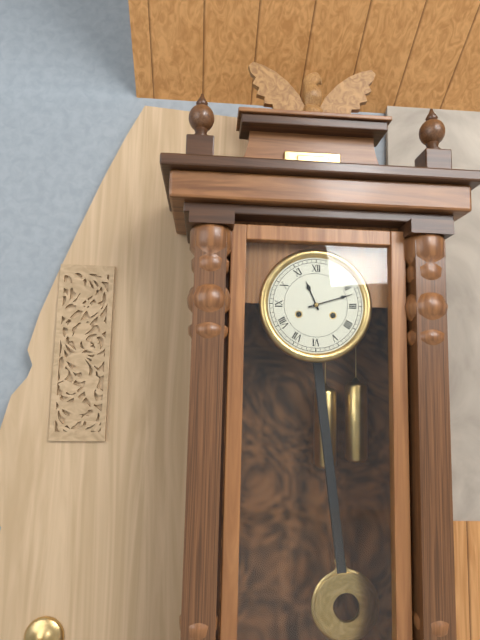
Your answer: 11.12
